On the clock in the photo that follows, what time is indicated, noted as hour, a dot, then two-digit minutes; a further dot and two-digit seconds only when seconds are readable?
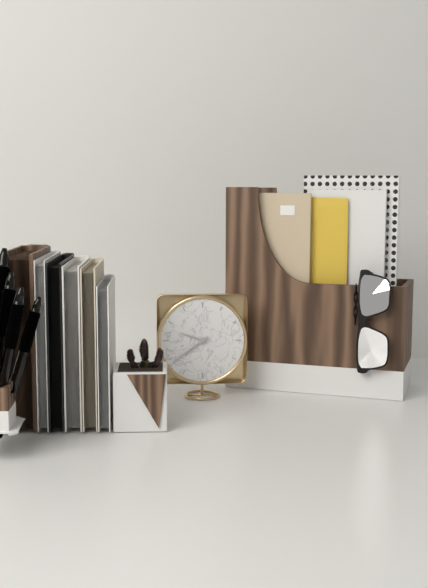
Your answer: 9.39
